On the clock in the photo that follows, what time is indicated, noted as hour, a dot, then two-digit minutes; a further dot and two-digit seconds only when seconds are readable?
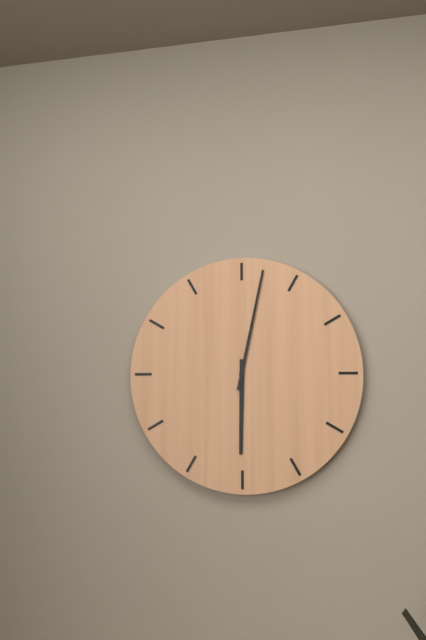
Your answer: 6.02
